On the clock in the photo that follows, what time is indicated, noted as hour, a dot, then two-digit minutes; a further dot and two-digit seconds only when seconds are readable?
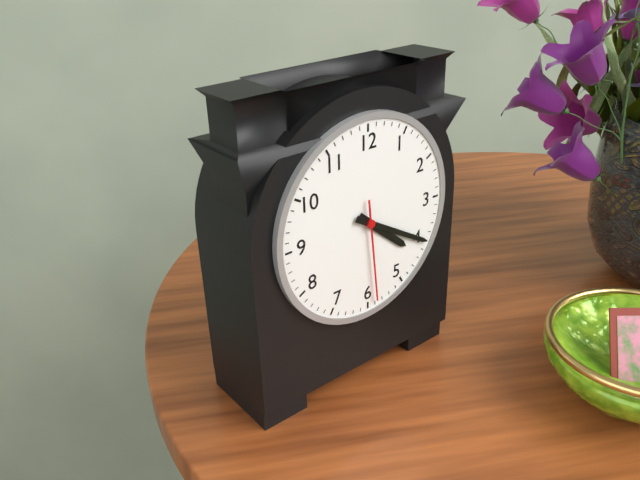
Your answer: 4.20.29
